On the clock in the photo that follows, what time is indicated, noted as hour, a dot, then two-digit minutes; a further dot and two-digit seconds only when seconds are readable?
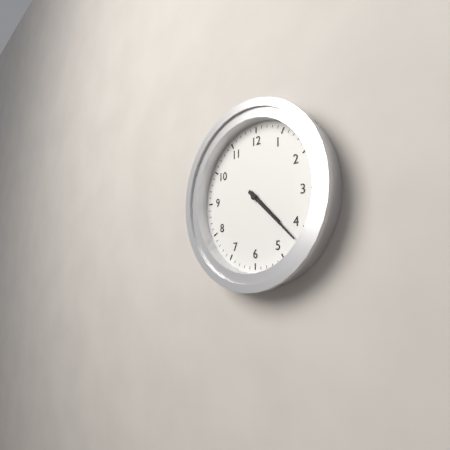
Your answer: 4.22
